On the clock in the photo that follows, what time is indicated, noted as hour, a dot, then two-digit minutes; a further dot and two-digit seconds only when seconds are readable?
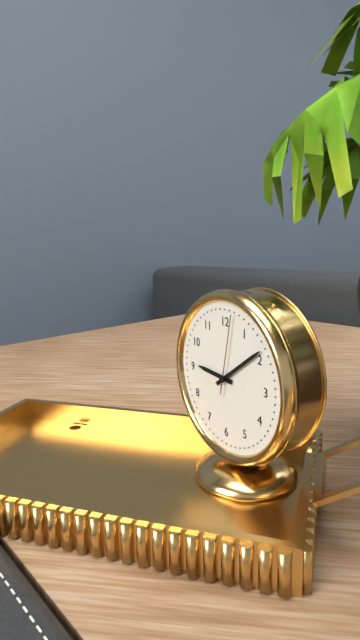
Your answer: 9.09.02
